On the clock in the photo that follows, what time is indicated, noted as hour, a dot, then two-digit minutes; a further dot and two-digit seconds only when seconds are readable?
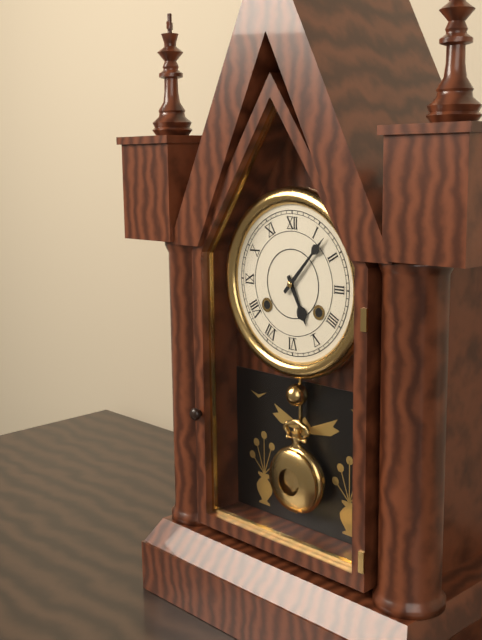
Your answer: 5.07
